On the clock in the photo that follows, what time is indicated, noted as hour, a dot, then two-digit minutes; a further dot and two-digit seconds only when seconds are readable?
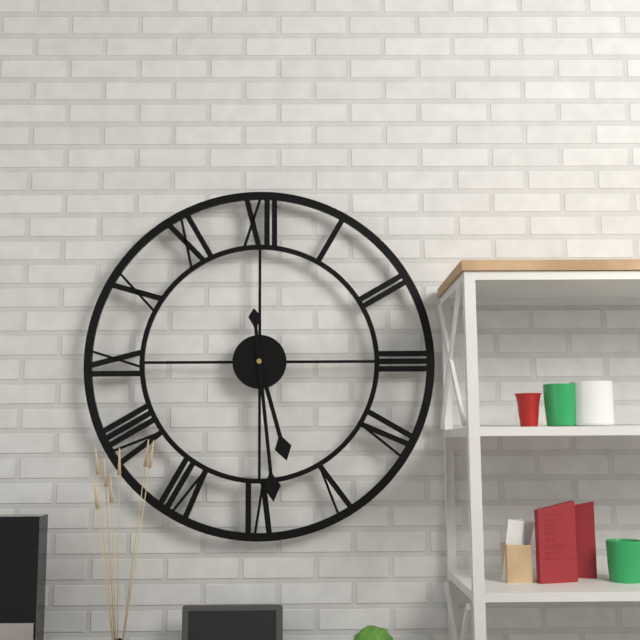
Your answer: 5.29
